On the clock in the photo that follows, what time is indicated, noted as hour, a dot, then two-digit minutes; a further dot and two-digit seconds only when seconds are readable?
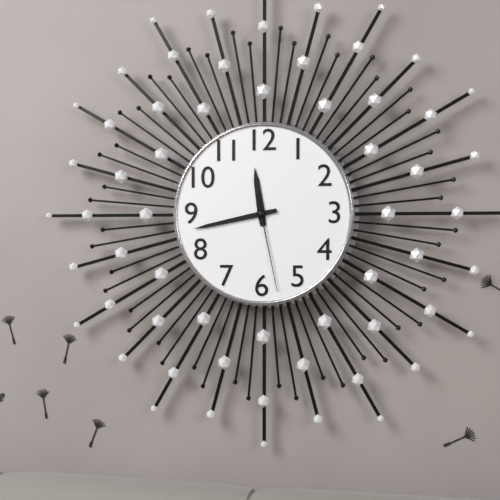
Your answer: 11.43.28
